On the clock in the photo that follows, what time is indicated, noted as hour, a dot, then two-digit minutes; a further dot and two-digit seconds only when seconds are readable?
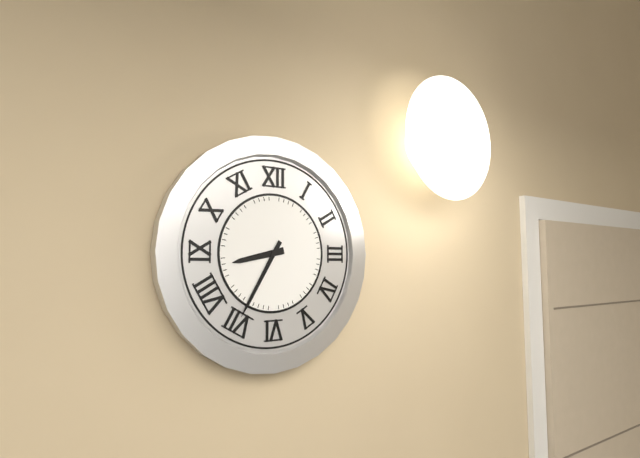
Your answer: 8.35
